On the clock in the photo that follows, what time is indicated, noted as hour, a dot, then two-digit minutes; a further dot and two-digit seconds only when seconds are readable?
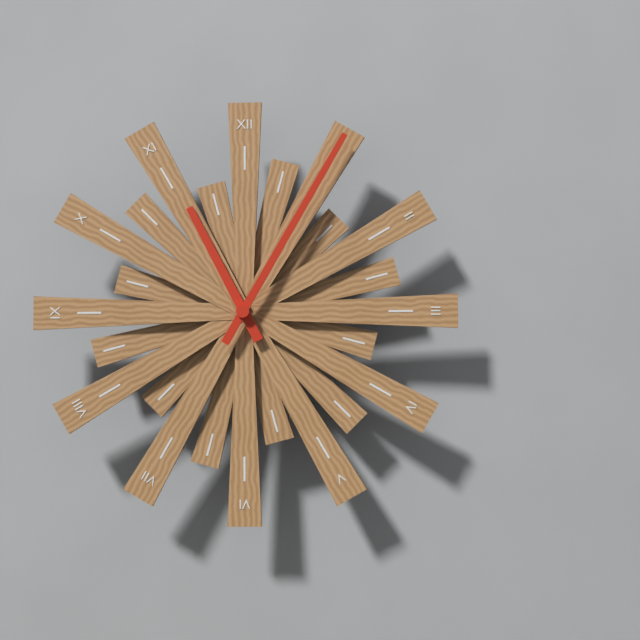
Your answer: 11.05
